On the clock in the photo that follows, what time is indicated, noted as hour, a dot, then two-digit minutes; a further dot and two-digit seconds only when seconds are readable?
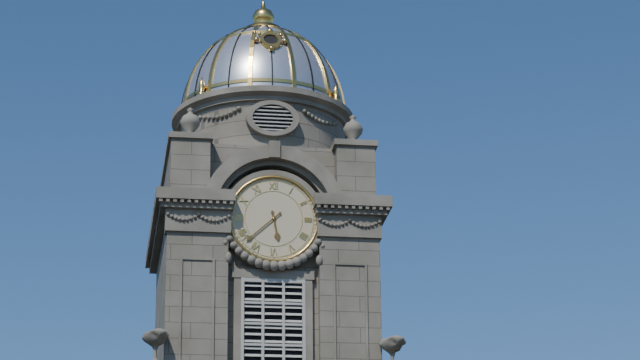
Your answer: 5.38
